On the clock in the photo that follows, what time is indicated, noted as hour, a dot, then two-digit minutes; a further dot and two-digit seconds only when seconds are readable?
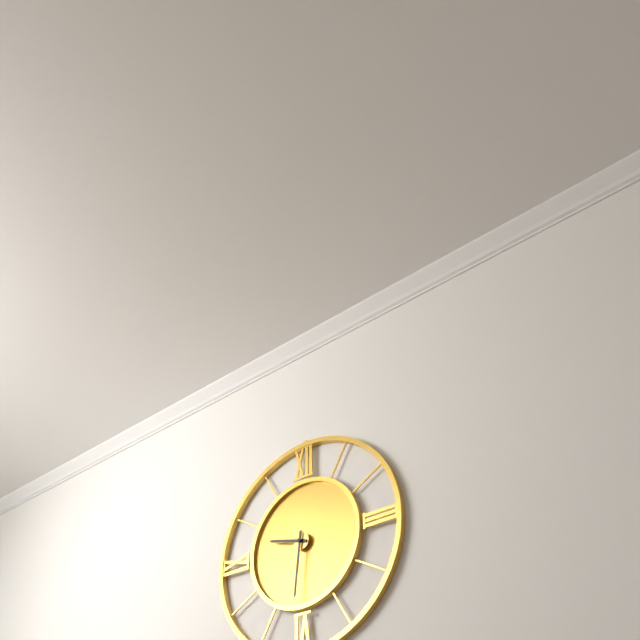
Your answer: 9.31
